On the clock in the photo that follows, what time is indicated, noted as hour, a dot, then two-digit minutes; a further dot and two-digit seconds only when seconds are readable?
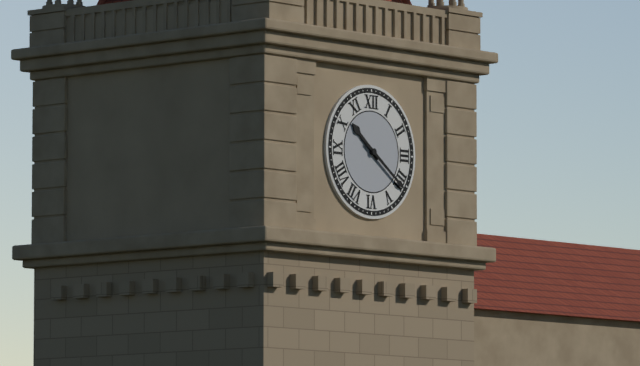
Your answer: 10.21
